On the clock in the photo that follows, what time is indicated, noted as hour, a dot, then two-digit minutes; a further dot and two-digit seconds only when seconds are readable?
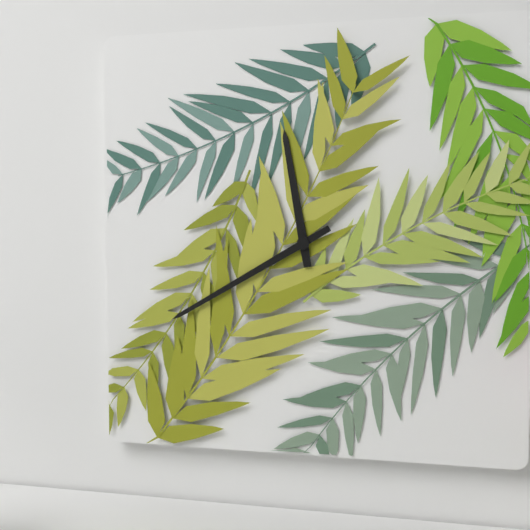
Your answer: 11.40
